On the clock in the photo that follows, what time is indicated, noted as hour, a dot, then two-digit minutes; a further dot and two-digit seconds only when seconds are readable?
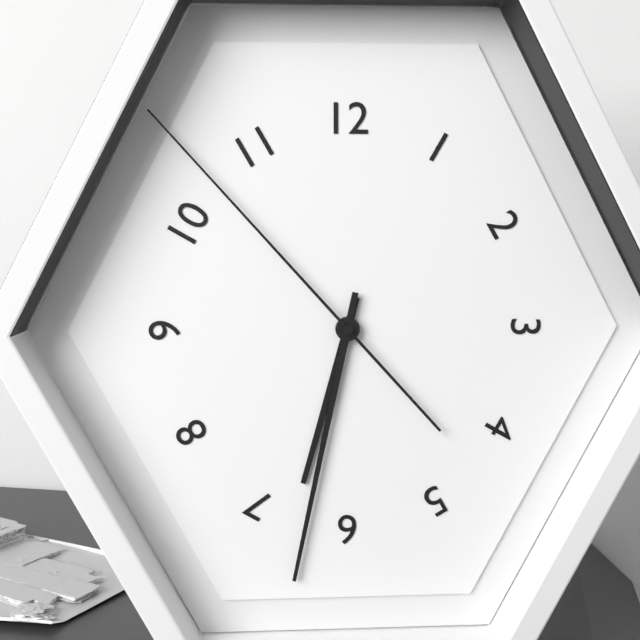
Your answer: 6.32.53
